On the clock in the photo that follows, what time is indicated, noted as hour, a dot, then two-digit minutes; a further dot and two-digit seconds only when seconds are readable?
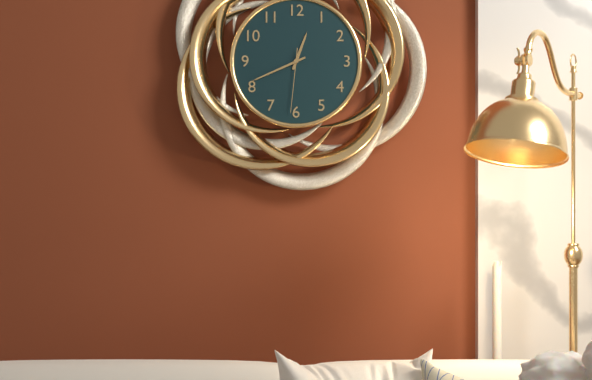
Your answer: 12.41.31
